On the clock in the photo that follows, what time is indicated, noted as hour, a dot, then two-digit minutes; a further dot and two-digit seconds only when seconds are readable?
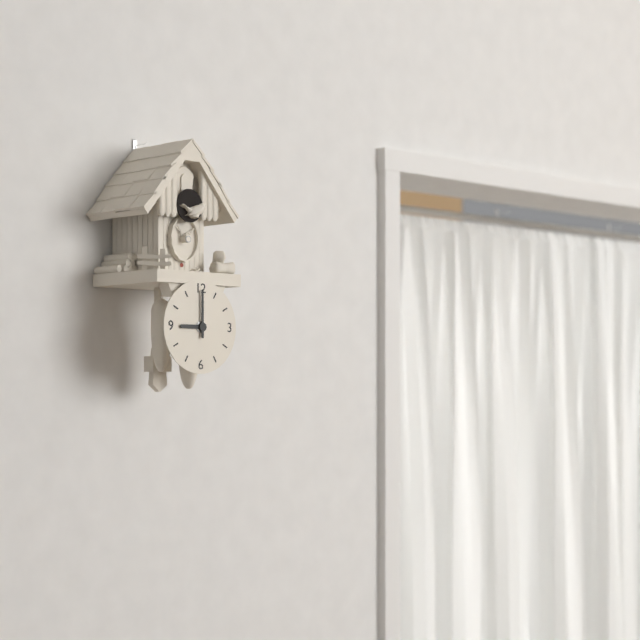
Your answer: 9.00
